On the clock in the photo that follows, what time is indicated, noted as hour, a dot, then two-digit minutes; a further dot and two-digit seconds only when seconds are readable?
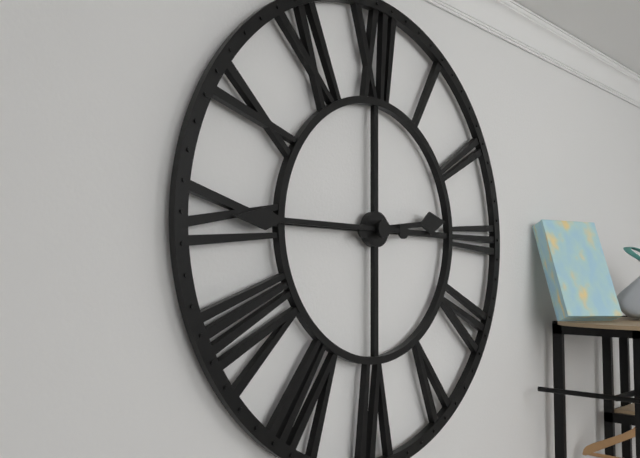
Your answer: 2.45
